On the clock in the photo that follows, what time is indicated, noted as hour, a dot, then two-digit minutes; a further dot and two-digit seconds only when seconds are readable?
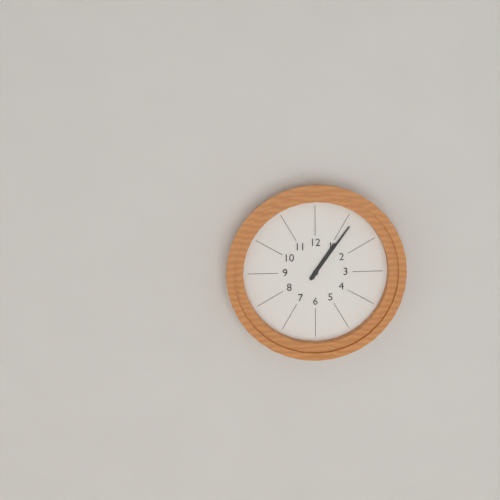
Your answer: 1.06
